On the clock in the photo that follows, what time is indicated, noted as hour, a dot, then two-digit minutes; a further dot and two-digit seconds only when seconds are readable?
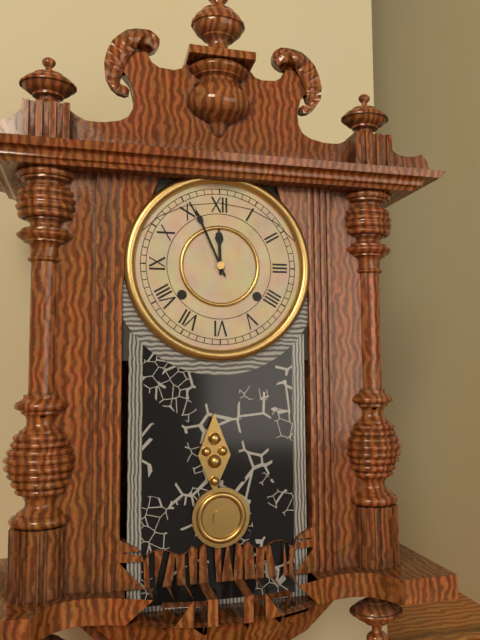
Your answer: 11.56
